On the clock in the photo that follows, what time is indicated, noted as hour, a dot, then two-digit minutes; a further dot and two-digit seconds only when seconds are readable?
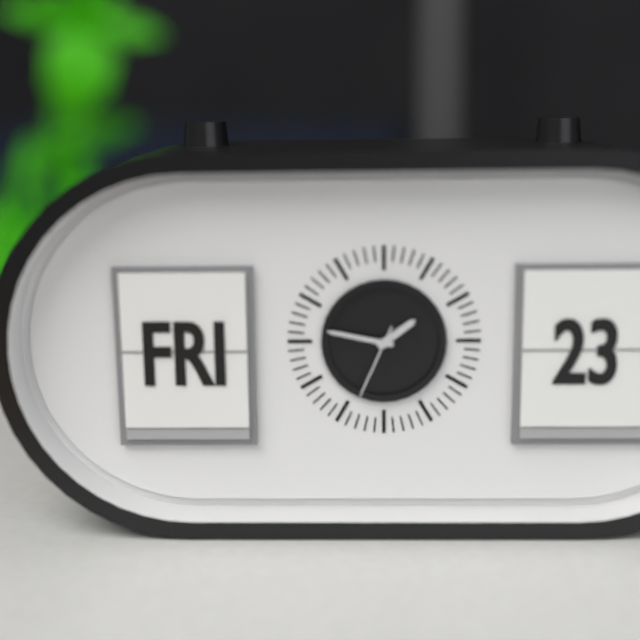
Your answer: 1.47.34
